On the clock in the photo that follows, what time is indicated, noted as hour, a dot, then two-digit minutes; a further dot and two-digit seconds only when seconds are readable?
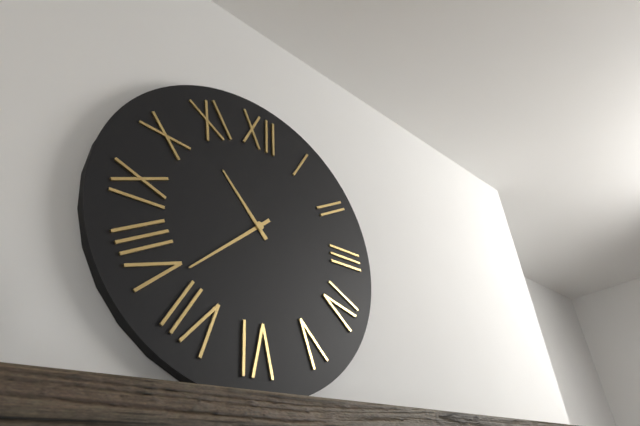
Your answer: 10.38
